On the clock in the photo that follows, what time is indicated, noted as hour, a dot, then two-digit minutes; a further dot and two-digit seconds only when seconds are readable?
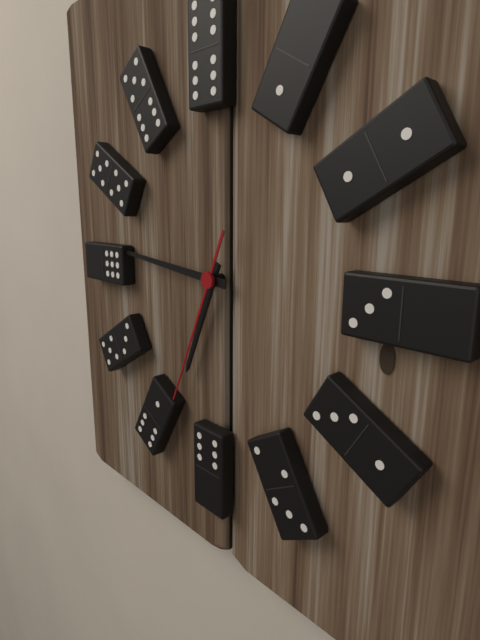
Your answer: 6.46.34
